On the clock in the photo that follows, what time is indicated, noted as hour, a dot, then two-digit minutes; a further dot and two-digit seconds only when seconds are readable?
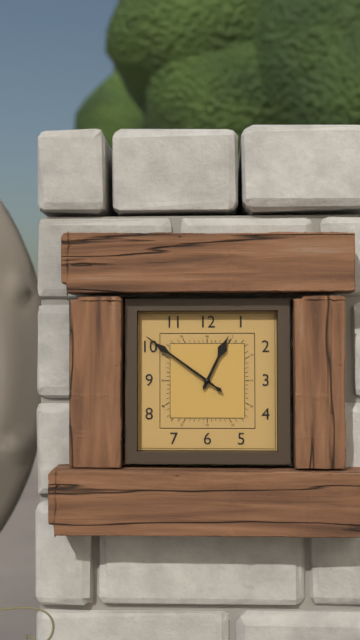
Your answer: 12.51
